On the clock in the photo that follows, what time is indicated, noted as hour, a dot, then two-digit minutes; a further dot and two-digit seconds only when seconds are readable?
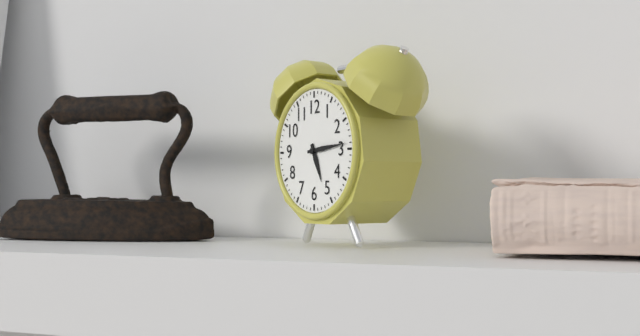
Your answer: 5.14
